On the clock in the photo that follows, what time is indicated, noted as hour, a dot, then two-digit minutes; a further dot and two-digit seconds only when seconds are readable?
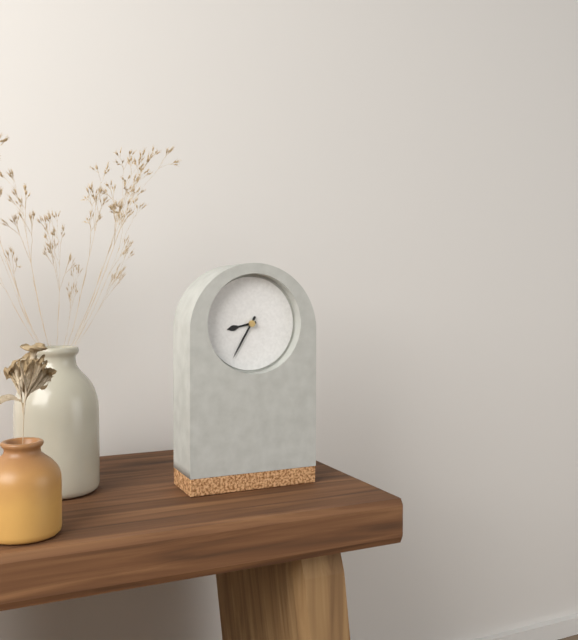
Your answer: 8.35
